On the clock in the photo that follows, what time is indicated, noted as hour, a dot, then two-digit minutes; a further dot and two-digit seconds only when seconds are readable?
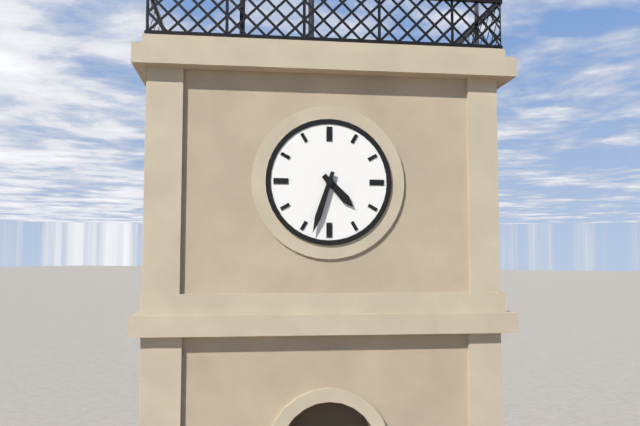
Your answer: 4.33
